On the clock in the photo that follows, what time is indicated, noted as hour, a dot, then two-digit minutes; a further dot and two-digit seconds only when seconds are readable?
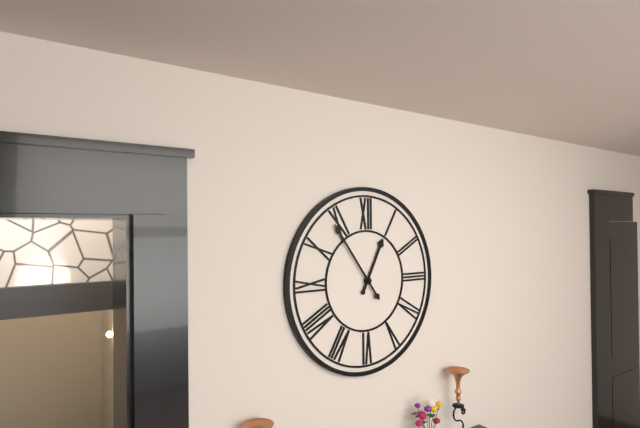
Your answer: 12.54
